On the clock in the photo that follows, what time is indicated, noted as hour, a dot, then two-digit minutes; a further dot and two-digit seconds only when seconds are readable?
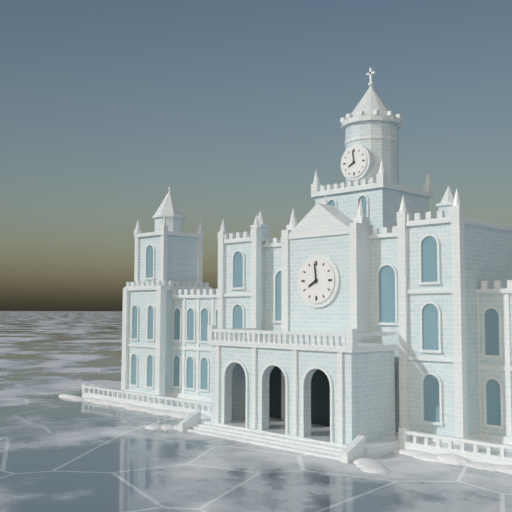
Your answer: 7.59
